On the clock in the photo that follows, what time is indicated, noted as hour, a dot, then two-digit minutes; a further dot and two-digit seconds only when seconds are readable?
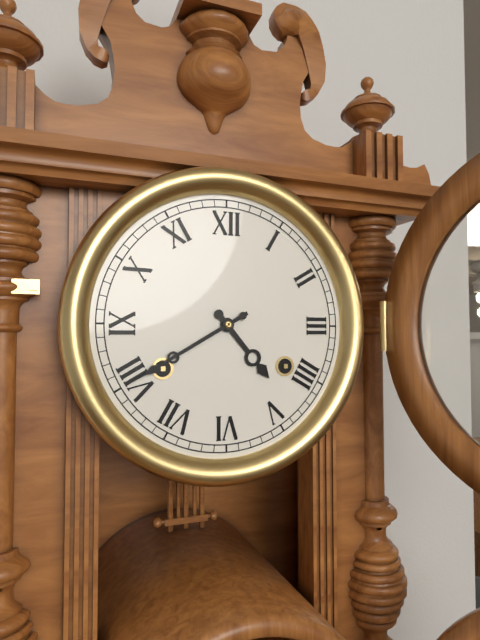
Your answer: 4.40
